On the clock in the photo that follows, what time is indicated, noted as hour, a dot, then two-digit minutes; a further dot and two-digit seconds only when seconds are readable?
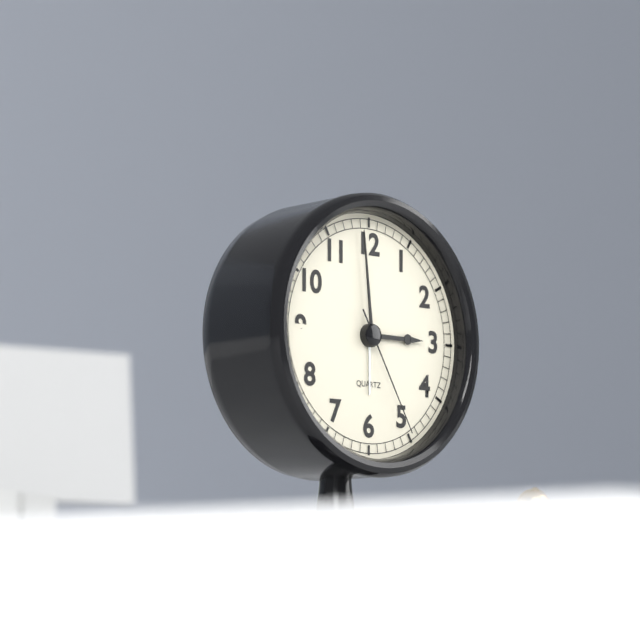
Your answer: 2.59.25
